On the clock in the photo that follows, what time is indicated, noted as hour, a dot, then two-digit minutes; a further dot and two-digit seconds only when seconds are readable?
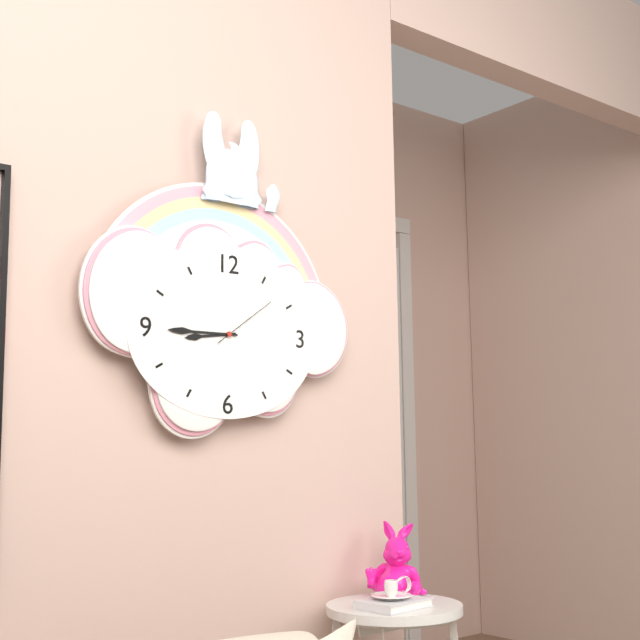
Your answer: 8.45.09
